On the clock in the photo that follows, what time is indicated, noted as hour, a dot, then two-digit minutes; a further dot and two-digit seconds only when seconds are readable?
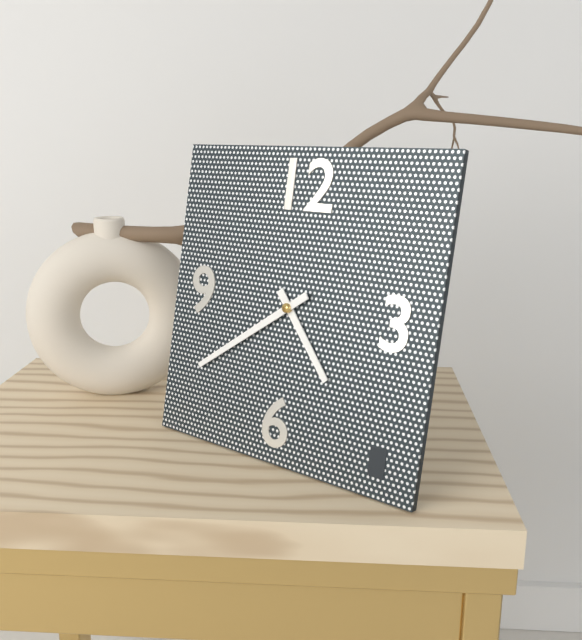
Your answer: 4.39
